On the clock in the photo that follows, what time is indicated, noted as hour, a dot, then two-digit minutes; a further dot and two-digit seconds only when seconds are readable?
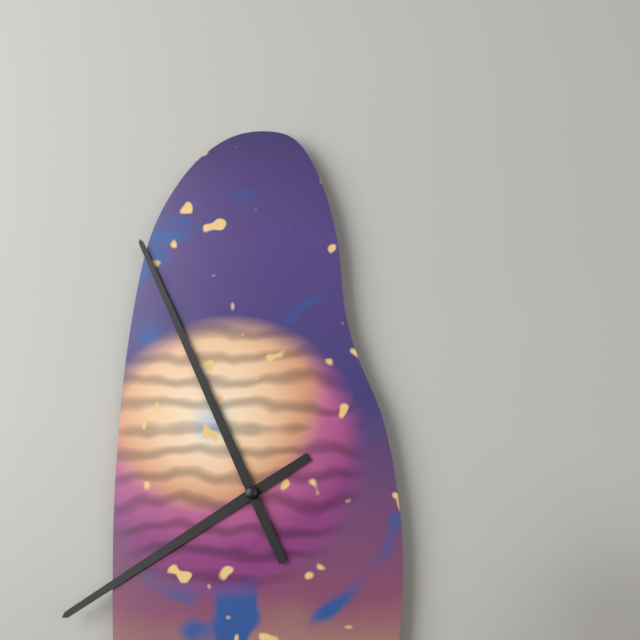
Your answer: 7.56
